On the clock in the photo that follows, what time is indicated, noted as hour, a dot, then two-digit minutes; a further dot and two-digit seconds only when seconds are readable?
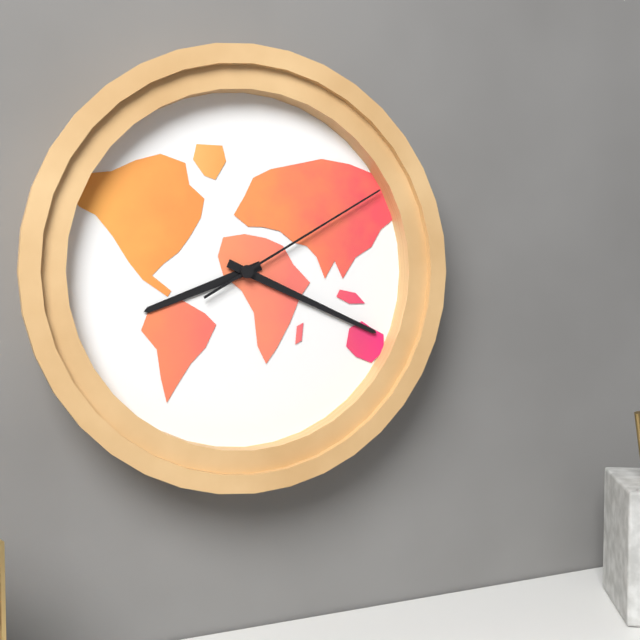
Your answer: 8.19.10
